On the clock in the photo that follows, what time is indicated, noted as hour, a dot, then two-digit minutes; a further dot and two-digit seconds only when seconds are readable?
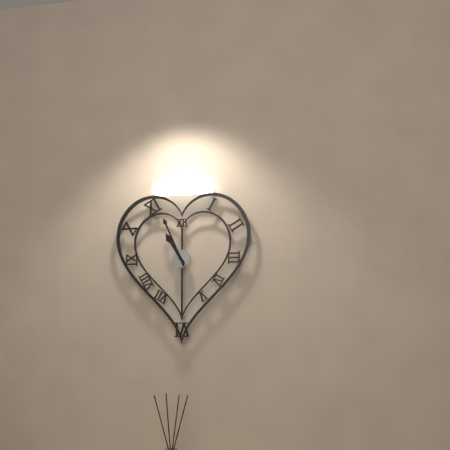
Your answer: 10.56
